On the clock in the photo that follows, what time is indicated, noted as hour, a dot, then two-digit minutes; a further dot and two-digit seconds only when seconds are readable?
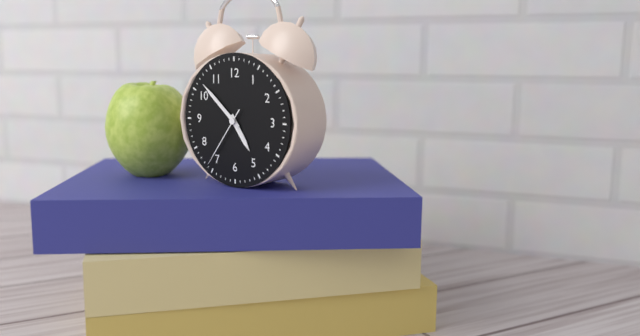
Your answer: 4.52.36
